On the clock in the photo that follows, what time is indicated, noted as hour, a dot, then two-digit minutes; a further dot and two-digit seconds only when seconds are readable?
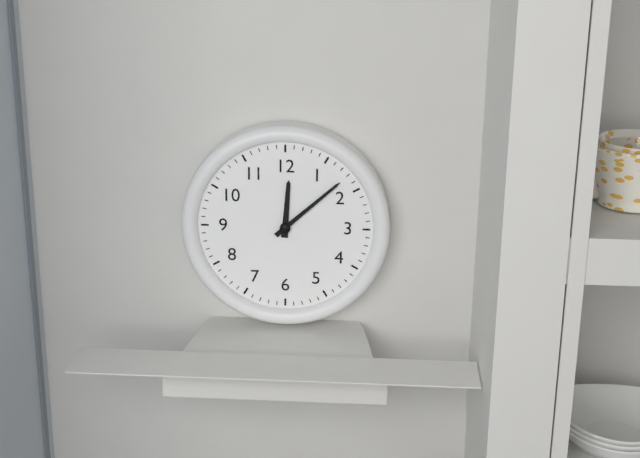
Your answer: 12.08
